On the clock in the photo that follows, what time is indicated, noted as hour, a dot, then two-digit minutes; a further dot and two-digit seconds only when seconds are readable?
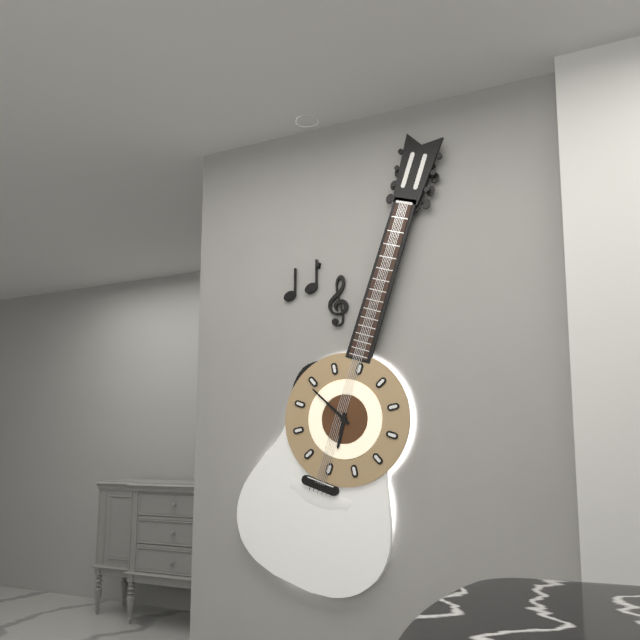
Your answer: 5.49
